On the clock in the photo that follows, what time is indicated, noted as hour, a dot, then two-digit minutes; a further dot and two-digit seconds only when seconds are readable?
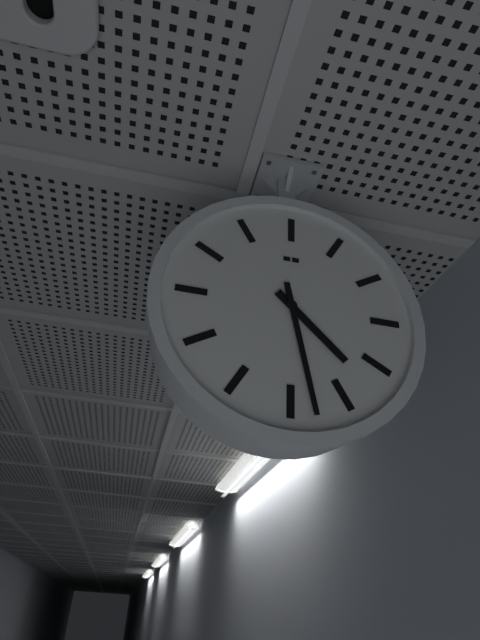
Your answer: 4.28
